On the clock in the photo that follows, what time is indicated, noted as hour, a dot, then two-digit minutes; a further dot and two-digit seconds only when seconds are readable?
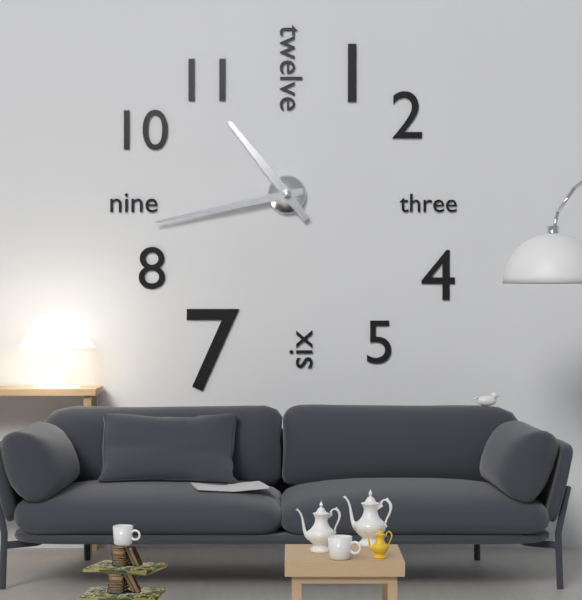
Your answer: 10.43
